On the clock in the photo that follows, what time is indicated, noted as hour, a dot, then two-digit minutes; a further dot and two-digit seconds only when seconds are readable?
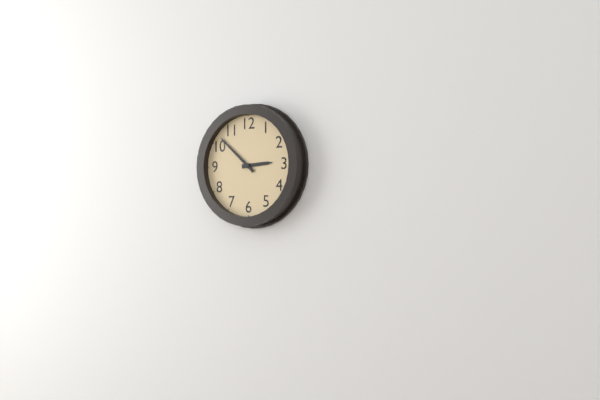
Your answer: 2.52
